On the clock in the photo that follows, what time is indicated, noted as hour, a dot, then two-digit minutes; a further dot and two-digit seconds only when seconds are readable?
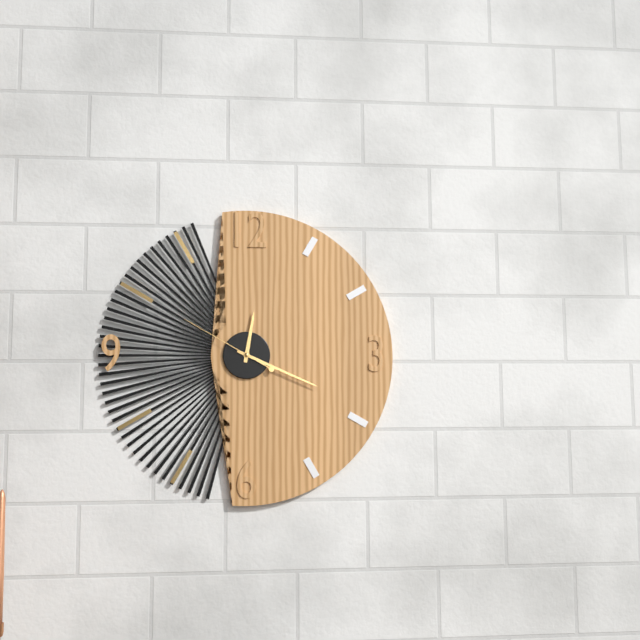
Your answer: 12.19.50
